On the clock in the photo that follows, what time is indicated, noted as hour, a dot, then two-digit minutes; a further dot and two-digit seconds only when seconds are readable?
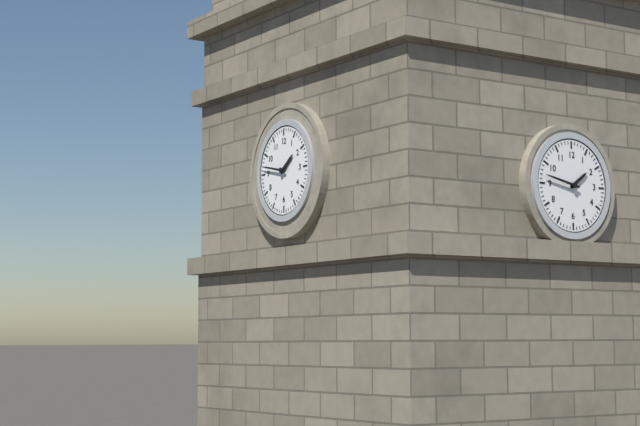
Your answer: 1.47
